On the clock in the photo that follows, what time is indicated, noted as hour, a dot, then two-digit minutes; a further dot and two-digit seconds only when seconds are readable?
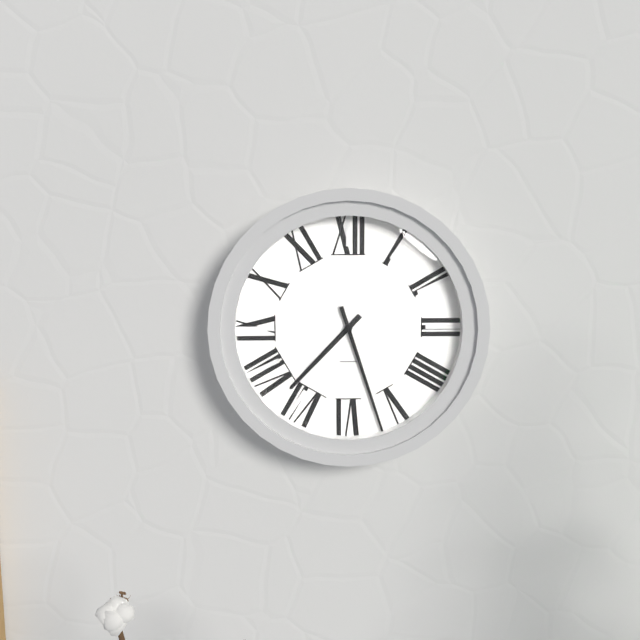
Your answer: 7.27
